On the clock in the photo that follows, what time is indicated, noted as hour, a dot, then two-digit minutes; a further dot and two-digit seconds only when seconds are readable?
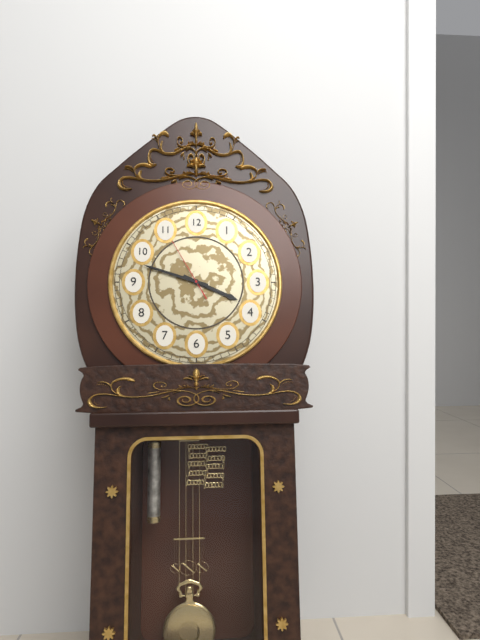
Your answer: 3.48.55
